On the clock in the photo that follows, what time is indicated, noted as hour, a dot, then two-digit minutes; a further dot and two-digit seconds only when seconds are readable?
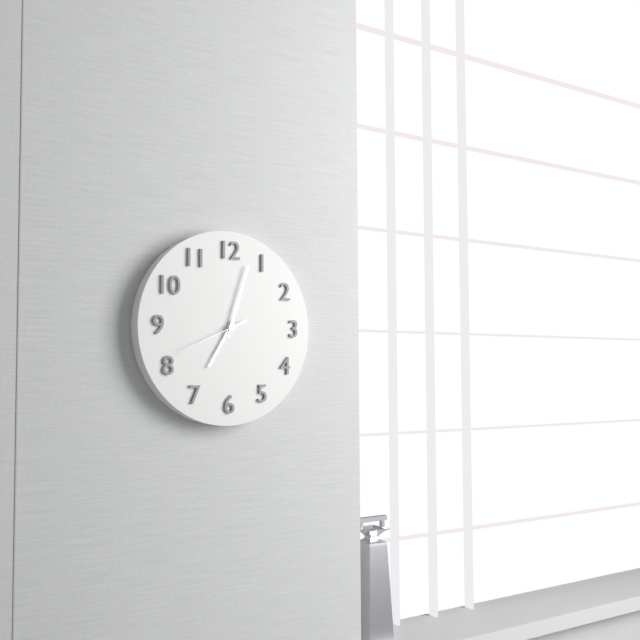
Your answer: 7.03.41
